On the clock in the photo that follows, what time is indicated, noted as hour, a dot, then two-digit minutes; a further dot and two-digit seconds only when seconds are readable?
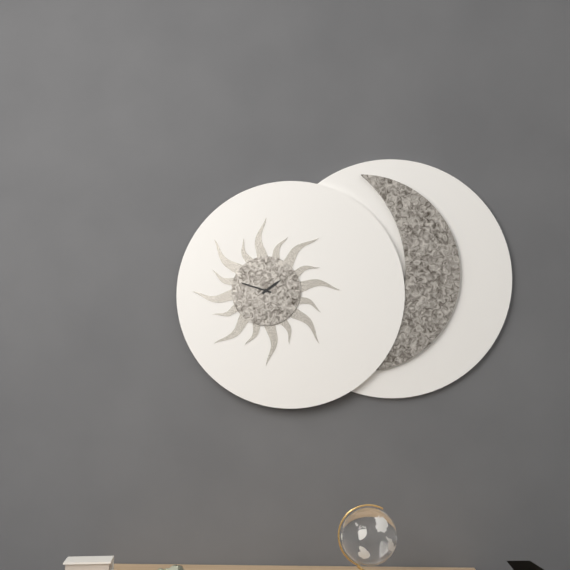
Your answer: 1.48
